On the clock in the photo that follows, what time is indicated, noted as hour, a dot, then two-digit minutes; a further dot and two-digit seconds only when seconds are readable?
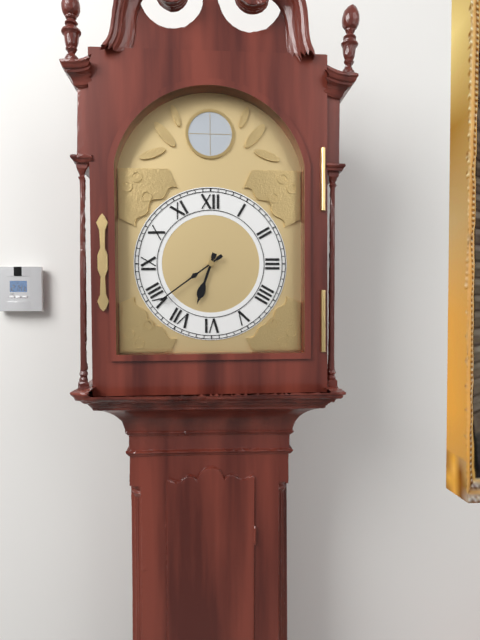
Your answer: 6.39
